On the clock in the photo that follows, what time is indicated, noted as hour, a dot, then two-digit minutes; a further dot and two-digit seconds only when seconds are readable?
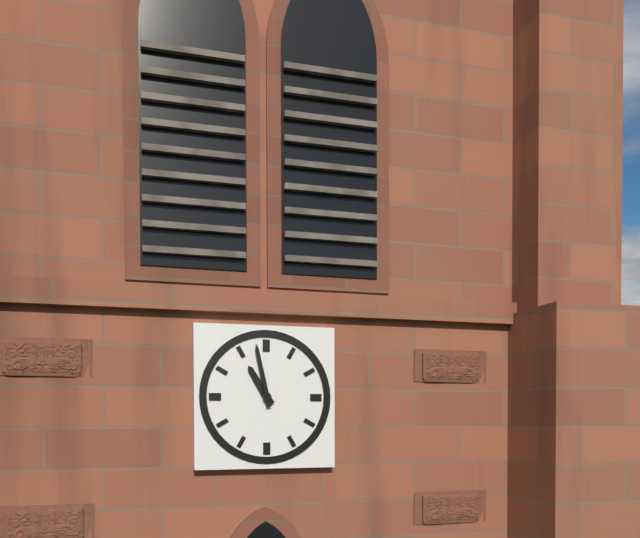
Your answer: 10.58
